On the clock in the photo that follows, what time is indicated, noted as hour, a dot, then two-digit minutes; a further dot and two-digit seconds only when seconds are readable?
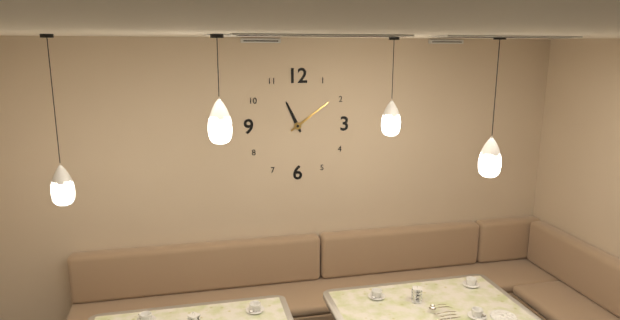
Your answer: 11.09
